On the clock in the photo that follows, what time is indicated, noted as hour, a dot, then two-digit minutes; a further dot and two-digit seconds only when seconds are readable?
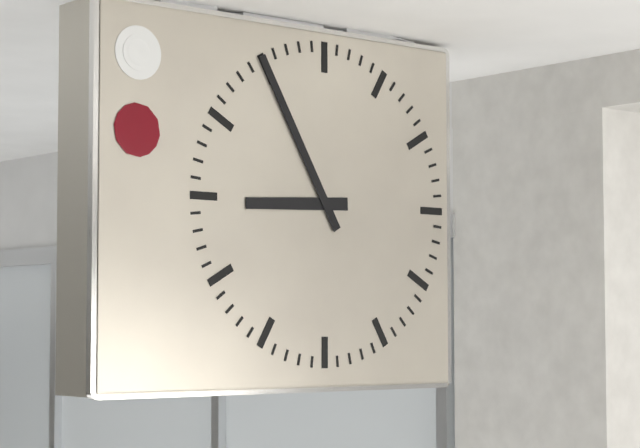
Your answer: 8.55
